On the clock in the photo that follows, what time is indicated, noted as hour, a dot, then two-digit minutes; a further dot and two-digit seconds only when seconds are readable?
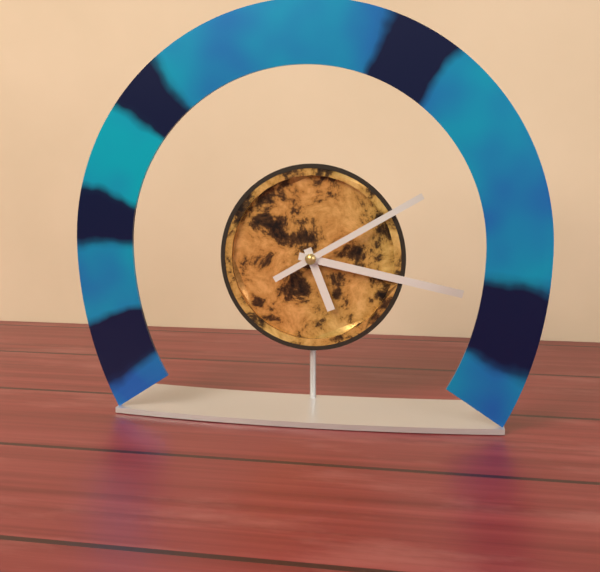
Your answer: 5.17.10
